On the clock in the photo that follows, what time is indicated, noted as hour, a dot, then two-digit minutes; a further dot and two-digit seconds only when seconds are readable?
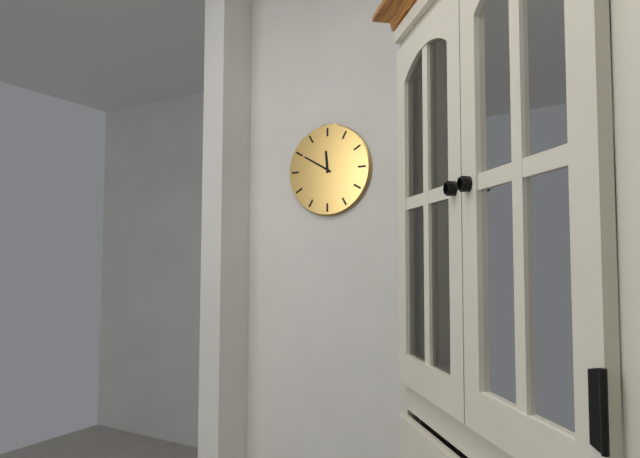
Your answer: 11.50
